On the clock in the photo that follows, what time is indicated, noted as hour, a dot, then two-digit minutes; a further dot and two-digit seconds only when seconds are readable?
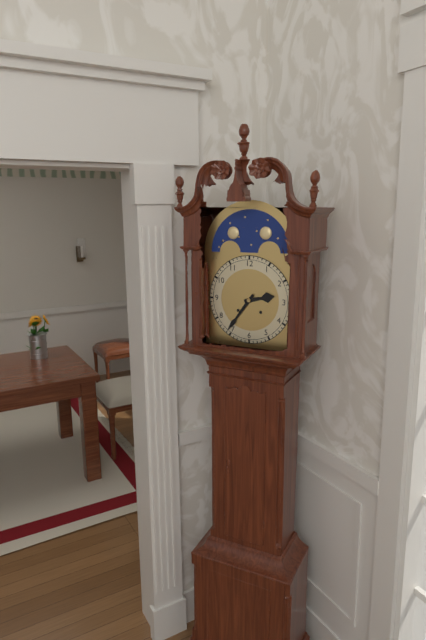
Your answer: 2.36
